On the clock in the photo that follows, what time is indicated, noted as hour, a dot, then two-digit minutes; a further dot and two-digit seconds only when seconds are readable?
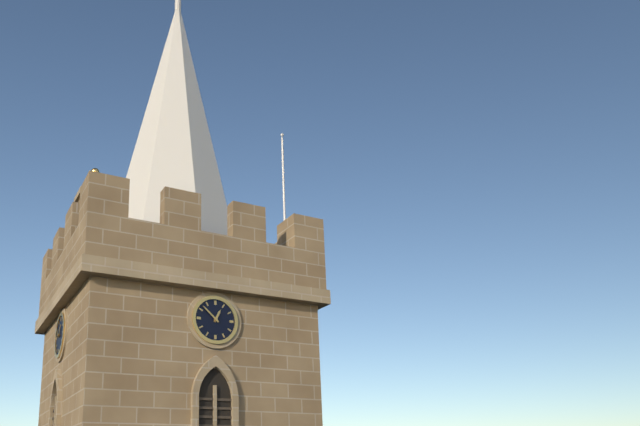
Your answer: 12.52
